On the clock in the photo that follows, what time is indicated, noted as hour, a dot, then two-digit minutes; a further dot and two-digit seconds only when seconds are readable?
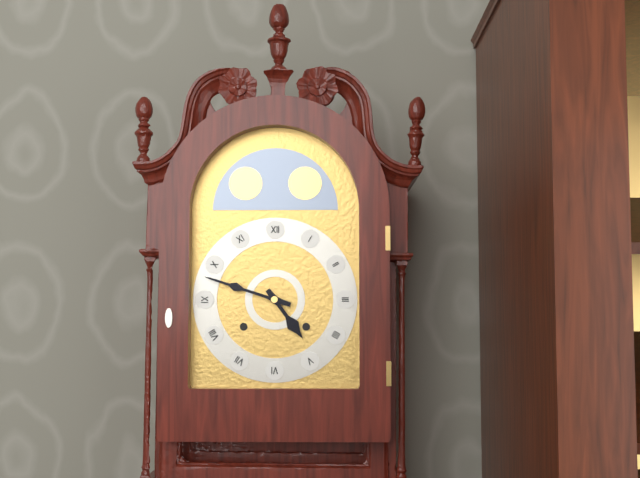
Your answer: 4.48
